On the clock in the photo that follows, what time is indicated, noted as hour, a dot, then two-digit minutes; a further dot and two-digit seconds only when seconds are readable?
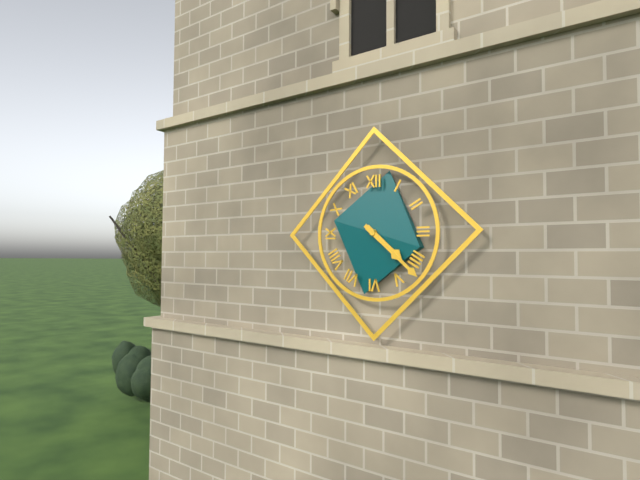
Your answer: 4.22
